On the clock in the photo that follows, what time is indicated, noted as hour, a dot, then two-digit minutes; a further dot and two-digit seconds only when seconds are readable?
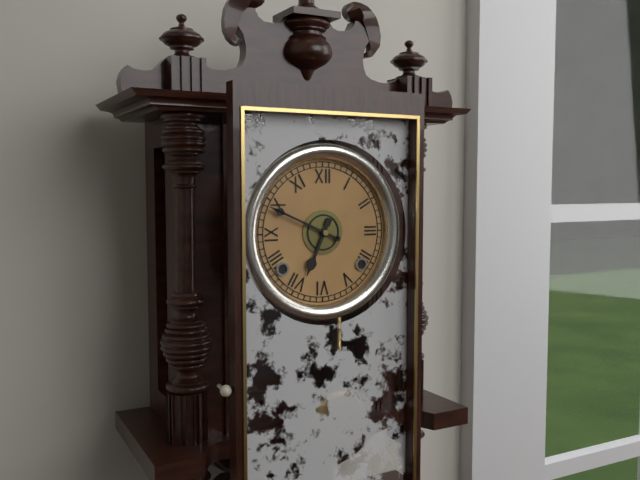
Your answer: 6.49
